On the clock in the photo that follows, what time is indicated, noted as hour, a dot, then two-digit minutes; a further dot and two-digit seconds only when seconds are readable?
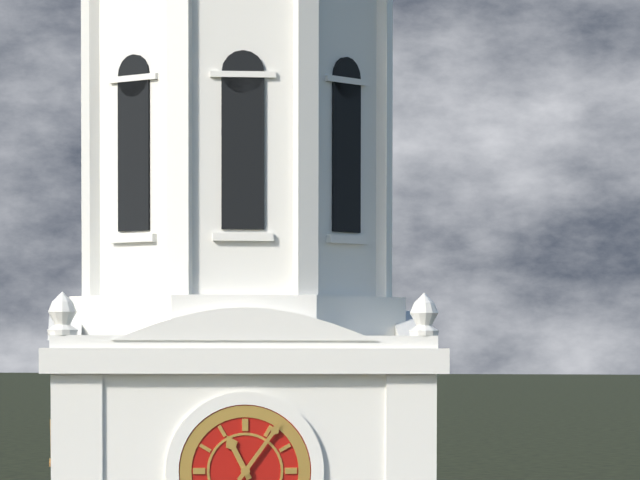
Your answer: 11.06
